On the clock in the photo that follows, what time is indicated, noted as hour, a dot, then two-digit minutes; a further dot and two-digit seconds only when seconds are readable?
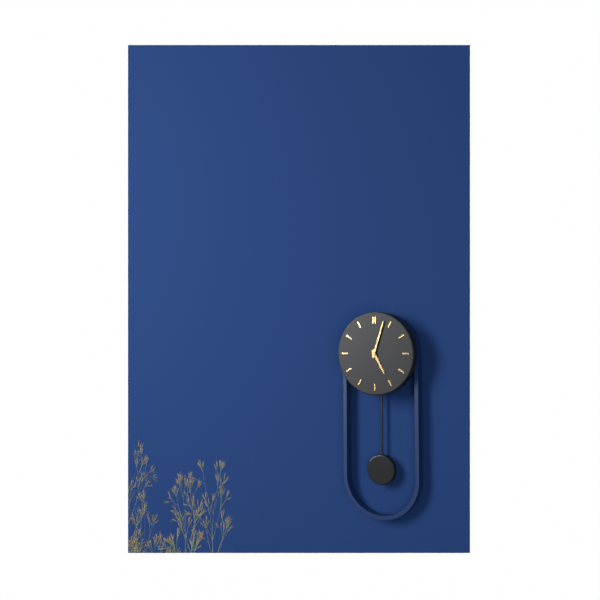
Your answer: 5.03
